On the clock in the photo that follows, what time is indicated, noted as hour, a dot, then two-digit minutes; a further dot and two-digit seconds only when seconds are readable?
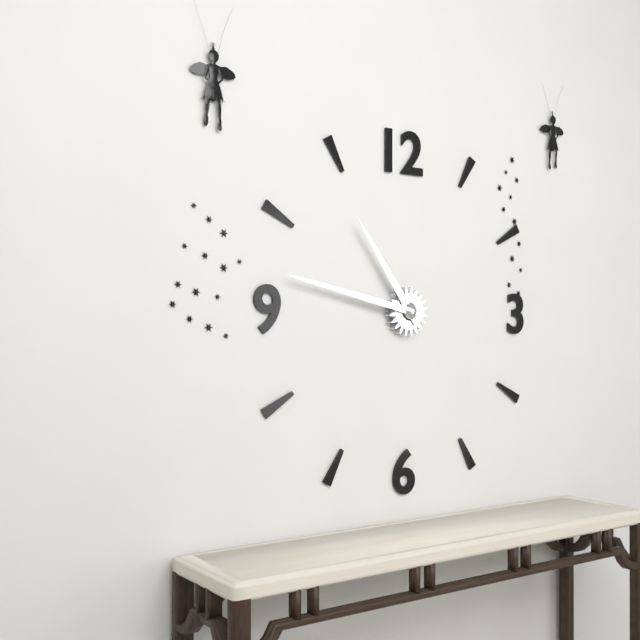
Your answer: 10.47
